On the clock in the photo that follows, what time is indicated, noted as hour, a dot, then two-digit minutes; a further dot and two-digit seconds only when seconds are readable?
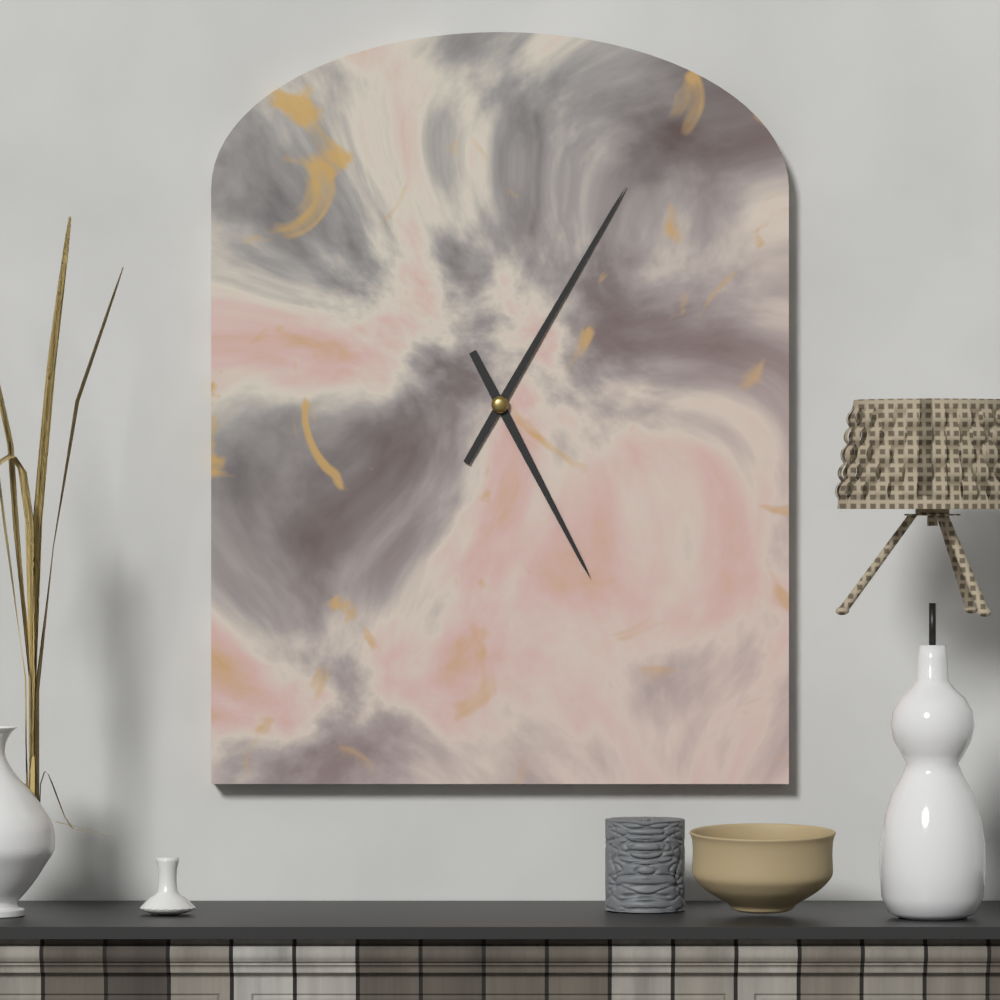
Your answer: 5.05
